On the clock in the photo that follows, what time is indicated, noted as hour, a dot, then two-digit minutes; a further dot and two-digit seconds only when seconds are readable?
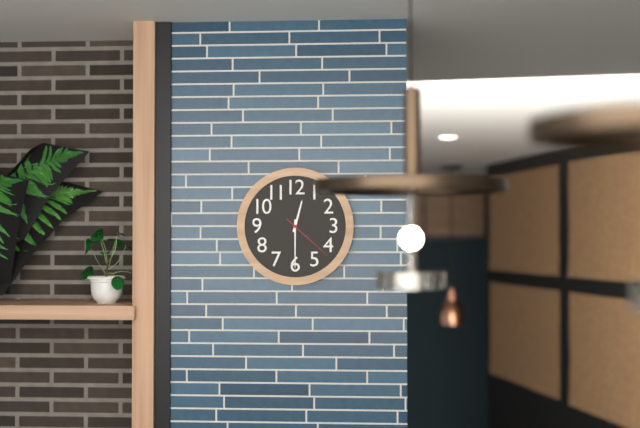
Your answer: 12.30.22
